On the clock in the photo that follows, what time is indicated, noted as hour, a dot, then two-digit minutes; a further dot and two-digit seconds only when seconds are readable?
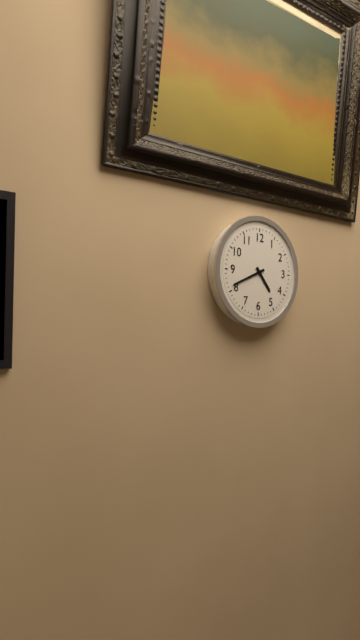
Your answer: 4.41
